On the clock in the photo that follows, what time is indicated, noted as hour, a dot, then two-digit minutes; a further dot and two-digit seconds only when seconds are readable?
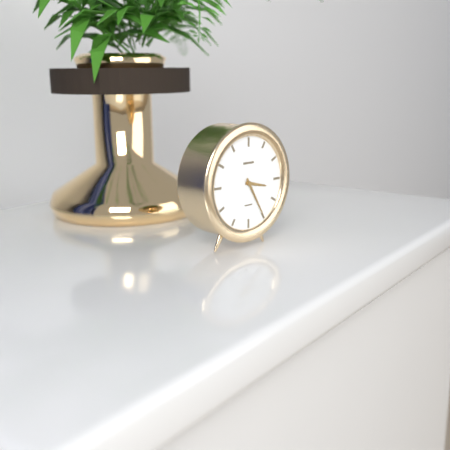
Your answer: 3.25
